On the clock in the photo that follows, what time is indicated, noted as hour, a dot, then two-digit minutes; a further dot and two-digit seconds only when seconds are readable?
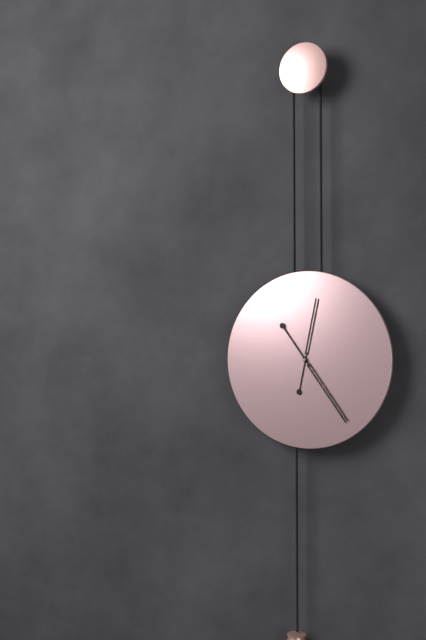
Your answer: 12.24
